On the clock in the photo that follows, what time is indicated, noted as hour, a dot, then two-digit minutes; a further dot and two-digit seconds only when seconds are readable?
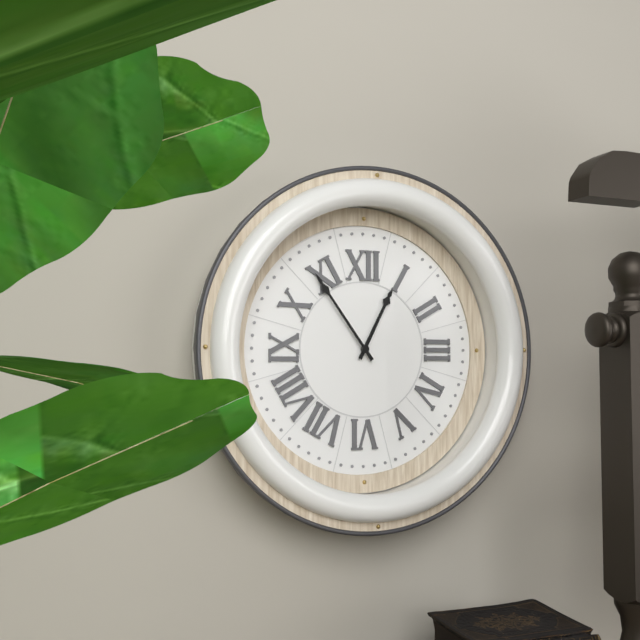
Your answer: 12.54
